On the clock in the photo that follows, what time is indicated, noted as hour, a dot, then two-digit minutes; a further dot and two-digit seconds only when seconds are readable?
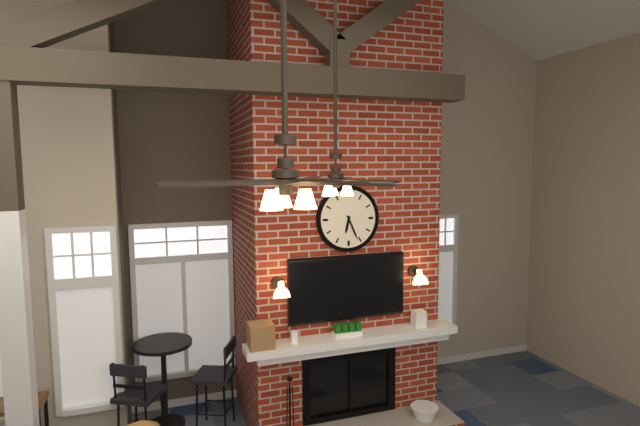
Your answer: 6.26
